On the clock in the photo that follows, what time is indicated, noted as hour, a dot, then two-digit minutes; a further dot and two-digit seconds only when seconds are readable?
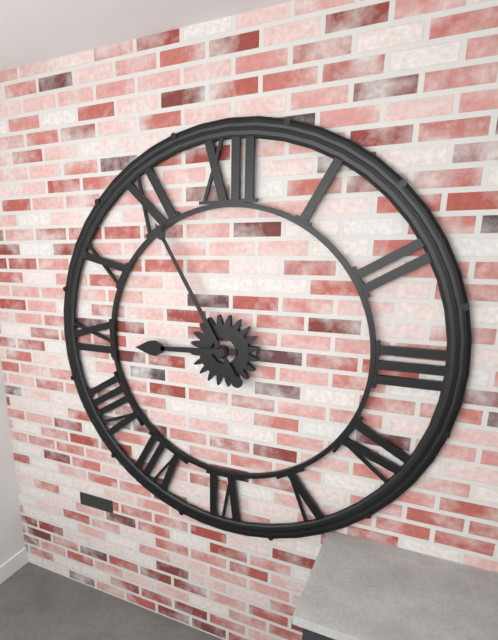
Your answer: 8.55
